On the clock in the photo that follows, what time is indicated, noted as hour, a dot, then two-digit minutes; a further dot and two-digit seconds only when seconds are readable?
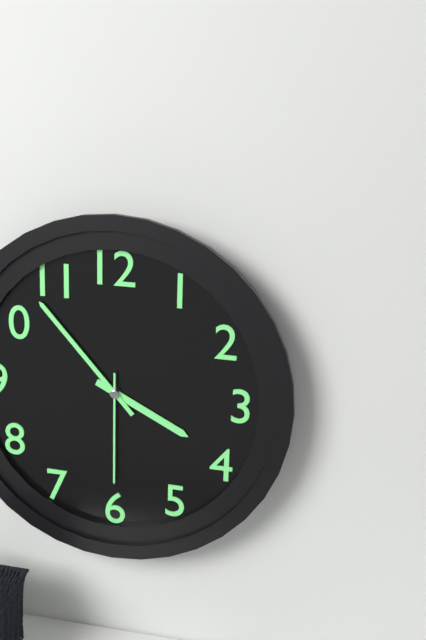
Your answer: 3.53.30
